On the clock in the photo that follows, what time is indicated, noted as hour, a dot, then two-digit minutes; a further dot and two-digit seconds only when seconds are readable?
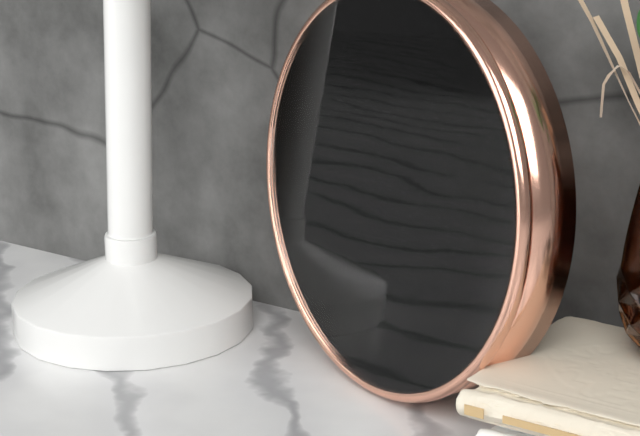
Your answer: 10.00.27
